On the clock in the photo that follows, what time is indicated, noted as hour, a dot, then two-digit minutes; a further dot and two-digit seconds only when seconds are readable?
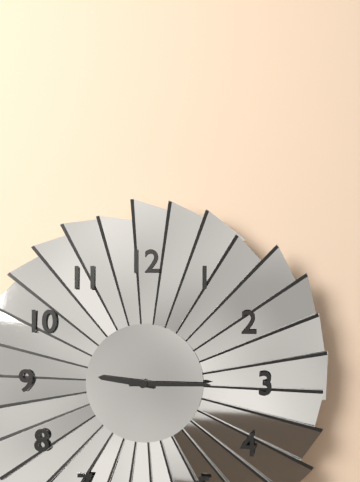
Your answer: 9.15
